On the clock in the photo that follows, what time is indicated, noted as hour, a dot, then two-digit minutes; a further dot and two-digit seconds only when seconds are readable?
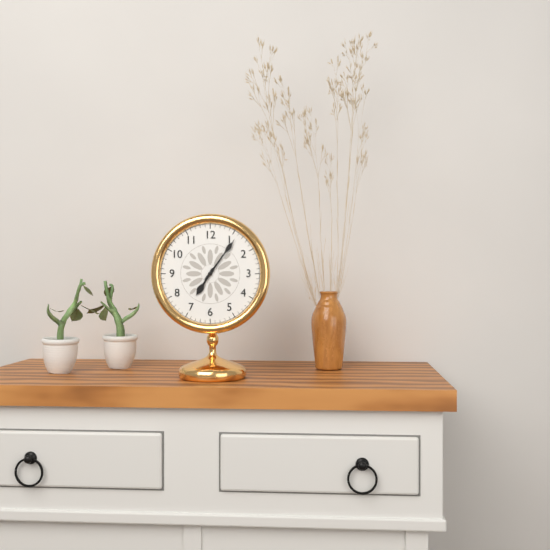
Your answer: 7.06
